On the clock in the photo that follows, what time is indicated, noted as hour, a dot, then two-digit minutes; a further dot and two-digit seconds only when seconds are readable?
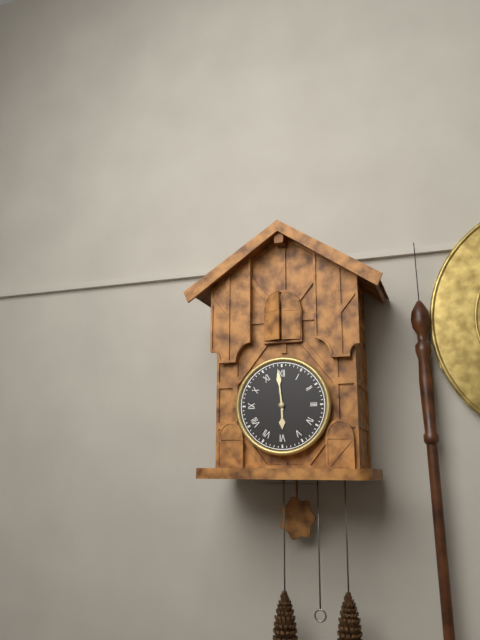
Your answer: 5.59
